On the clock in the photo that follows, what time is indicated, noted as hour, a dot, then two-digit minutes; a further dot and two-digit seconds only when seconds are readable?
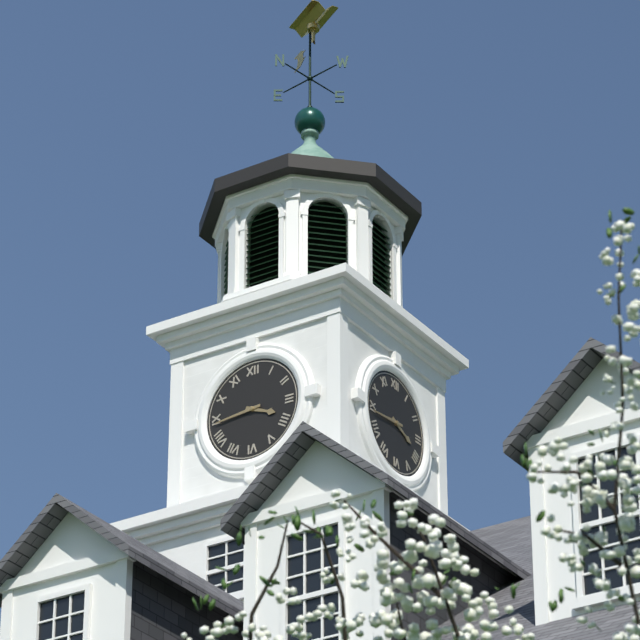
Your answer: 3.44
